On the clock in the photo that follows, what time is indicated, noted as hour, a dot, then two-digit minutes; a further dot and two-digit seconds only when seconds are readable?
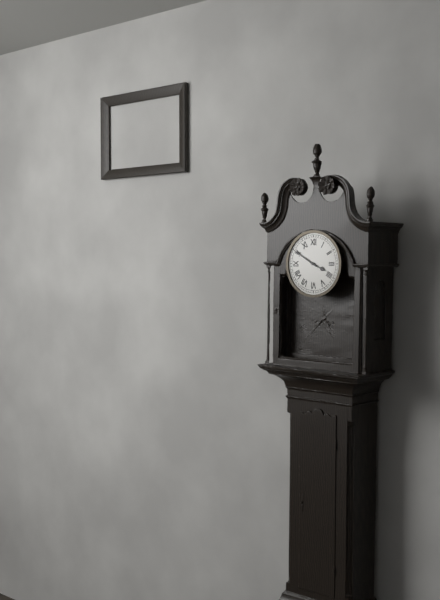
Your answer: 3.50
